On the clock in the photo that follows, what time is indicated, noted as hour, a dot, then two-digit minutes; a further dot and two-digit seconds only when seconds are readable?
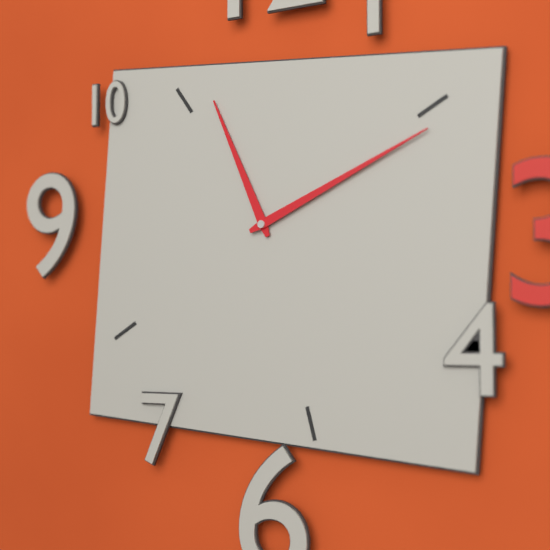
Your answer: 11.11
